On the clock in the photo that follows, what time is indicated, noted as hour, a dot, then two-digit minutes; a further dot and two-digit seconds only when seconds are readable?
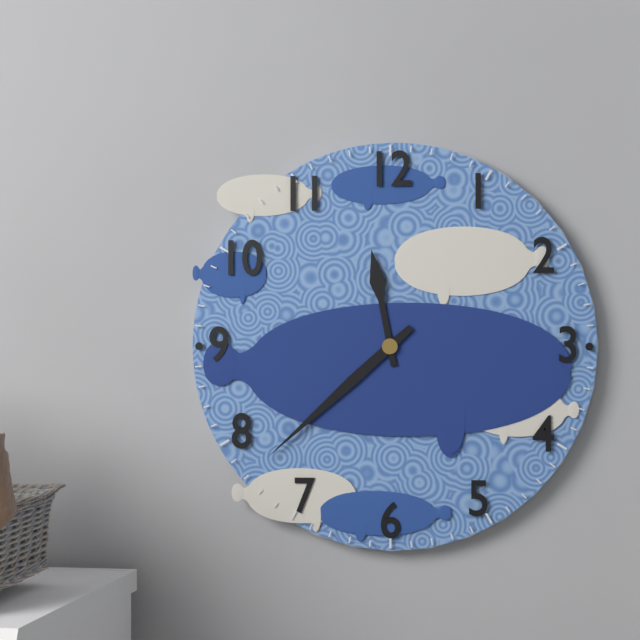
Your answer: 11.38
